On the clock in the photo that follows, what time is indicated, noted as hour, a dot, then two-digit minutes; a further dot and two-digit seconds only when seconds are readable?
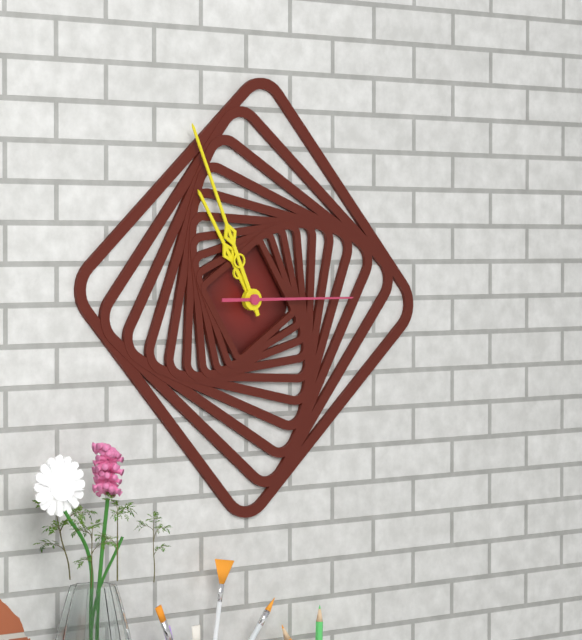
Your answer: 10.56.15
